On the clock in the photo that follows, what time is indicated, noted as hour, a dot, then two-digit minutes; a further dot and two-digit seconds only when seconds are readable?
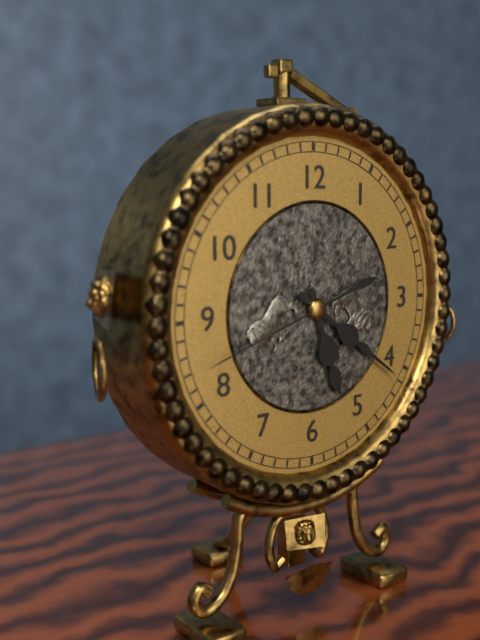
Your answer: 5.21.42
